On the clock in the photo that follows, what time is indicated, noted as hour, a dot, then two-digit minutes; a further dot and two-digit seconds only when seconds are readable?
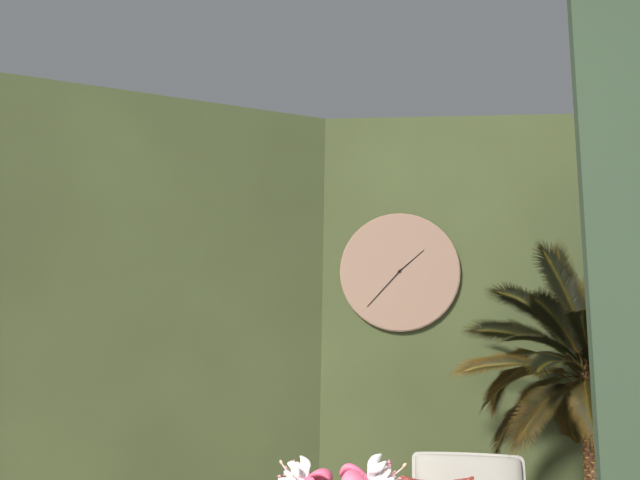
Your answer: 1.37
